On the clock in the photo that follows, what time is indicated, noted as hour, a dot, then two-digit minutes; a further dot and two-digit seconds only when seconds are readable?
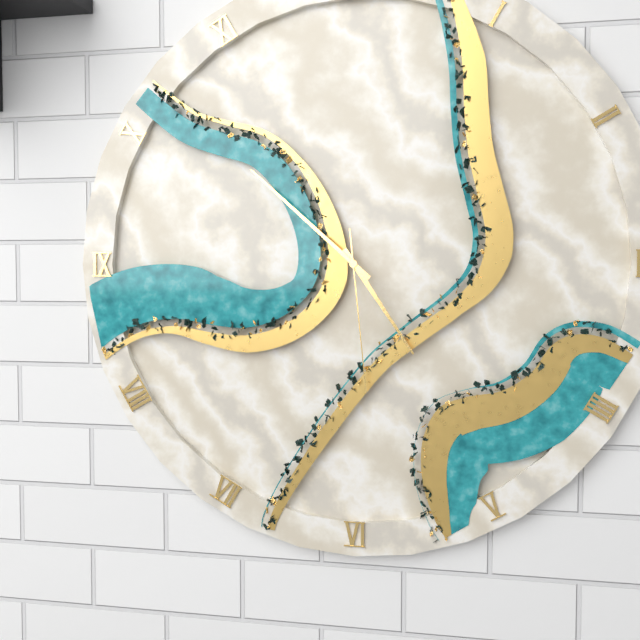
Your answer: 4.52.29
